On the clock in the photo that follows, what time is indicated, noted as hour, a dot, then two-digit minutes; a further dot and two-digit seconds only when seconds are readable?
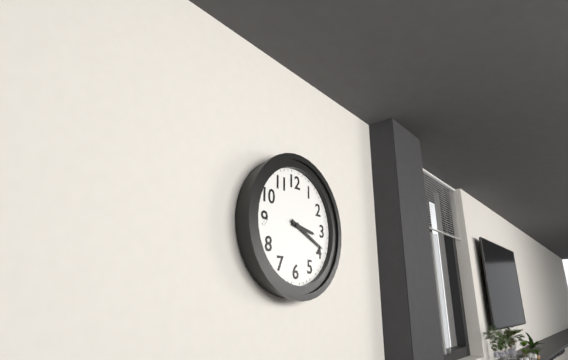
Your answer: 3.19
